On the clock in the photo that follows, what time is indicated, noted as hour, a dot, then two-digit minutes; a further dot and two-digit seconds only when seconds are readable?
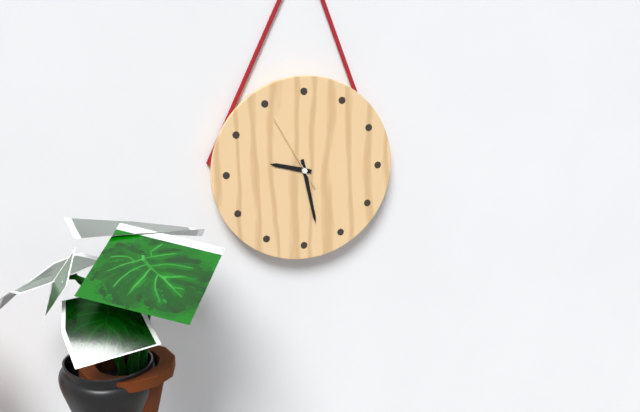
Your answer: 9.28.55
